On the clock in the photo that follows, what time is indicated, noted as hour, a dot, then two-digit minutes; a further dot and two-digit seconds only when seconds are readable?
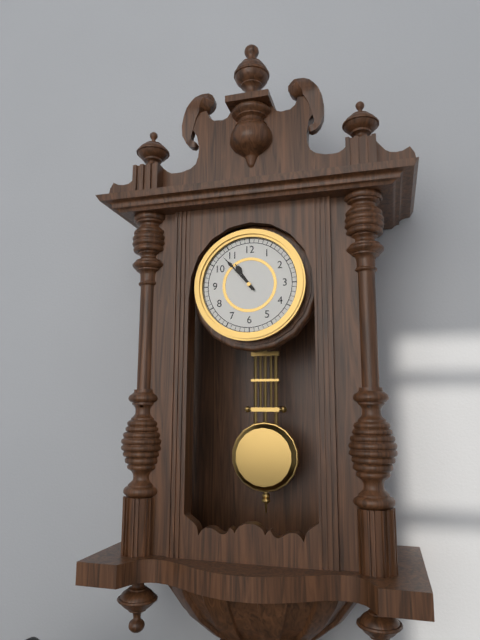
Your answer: 10.53
